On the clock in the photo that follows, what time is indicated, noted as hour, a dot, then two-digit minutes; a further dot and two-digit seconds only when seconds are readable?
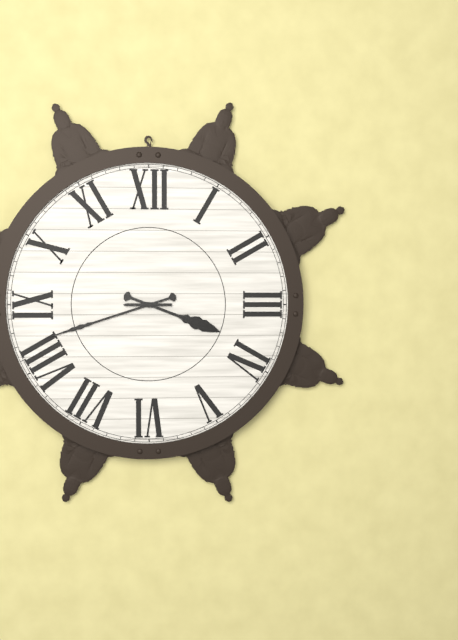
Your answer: 3.42
